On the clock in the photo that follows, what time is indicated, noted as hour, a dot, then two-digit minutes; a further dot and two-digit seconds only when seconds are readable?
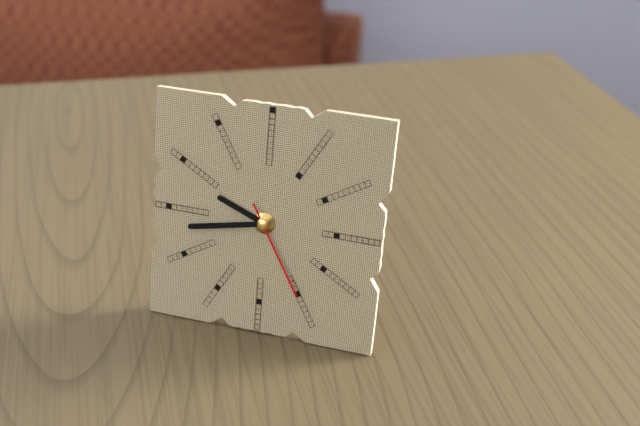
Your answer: 9.43.25
